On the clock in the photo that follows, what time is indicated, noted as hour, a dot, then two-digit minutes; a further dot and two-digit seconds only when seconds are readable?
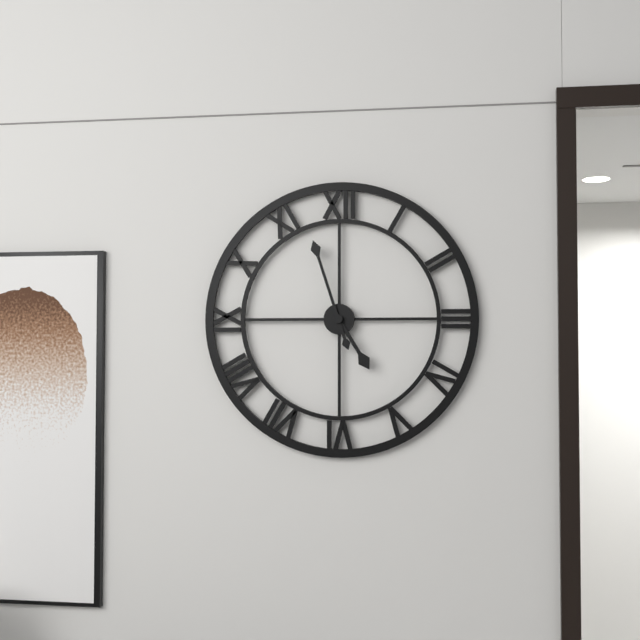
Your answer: 4.57
